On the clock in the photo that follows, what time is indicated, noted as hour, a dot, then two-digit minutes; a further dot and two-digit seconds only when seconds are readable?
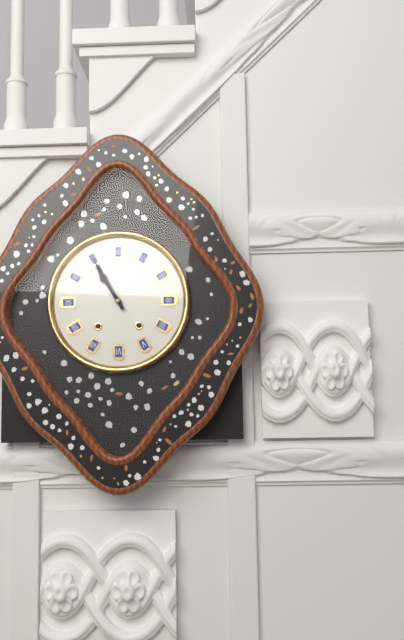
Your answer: 10.55
